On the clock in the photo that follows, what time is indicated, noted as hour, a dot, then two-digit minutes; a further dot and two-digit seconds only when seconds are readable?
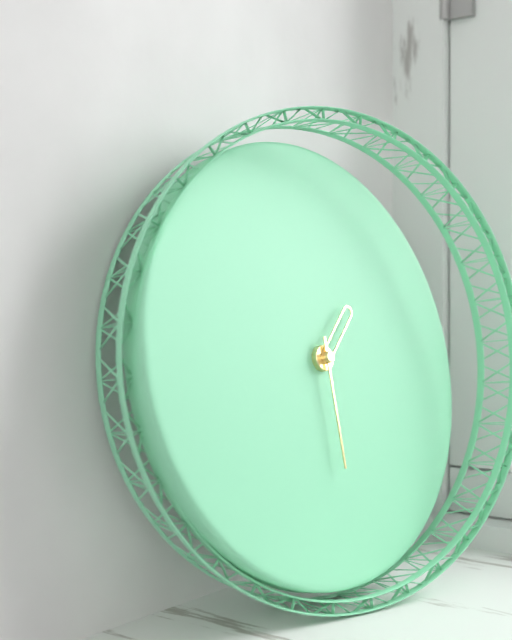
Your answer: 1.30
